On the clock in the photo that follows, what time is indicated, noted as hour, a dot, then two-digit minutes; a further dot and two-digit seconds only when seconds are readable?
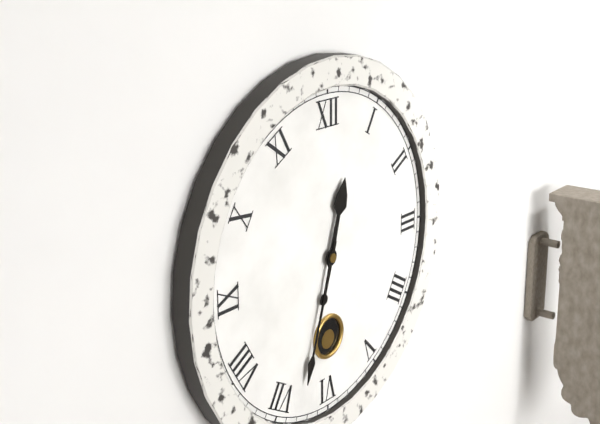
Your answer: 12.33
